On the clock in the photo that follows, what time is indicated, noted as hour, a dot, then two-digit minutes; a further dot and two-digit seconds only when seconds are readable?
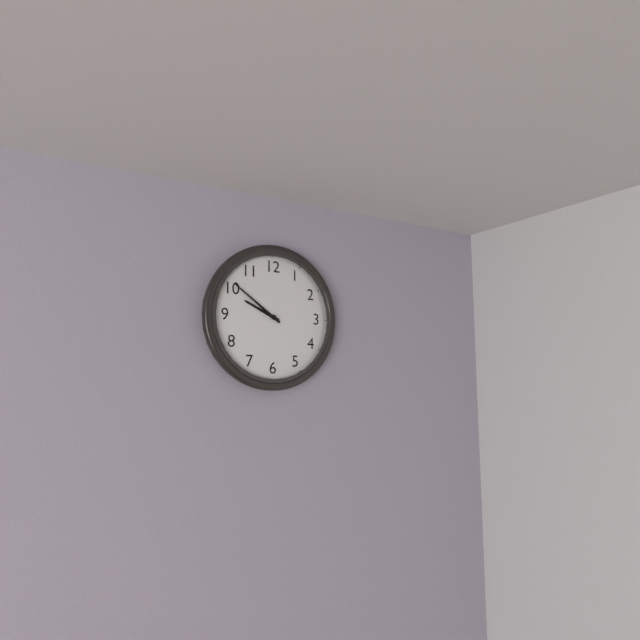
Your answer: 9.51
